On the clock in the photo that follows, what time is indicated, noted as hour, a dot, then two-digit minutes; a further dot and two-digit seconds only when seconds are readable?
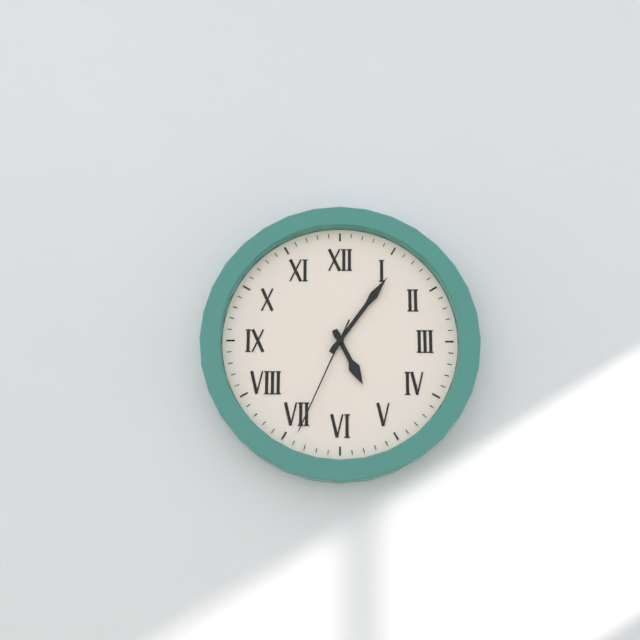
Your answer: 5.06.34
